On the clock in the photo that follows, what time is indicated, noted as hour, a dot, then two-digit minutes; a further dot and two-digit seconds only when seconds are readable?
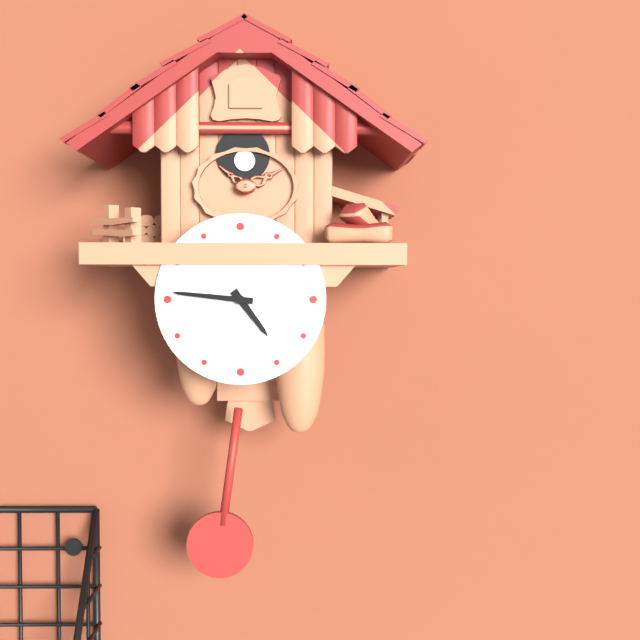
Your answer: 4.46
